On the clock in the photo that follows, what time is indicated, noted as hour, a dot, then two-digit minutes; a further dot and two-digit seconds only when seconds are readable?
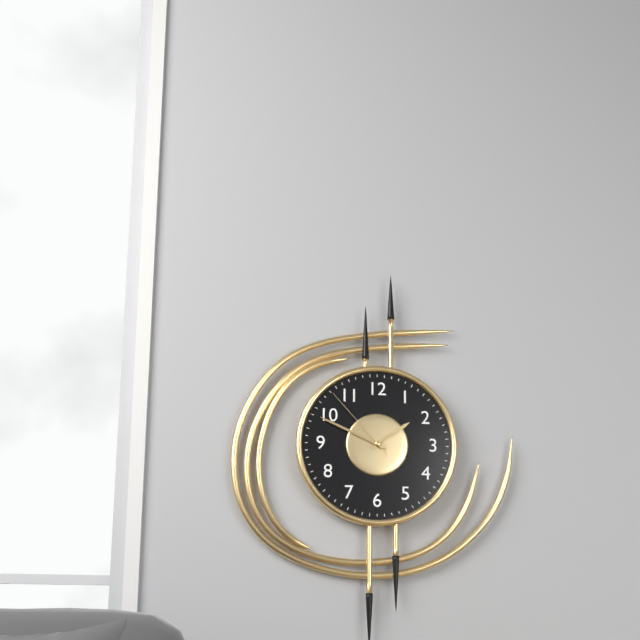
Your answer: 1.49.53
